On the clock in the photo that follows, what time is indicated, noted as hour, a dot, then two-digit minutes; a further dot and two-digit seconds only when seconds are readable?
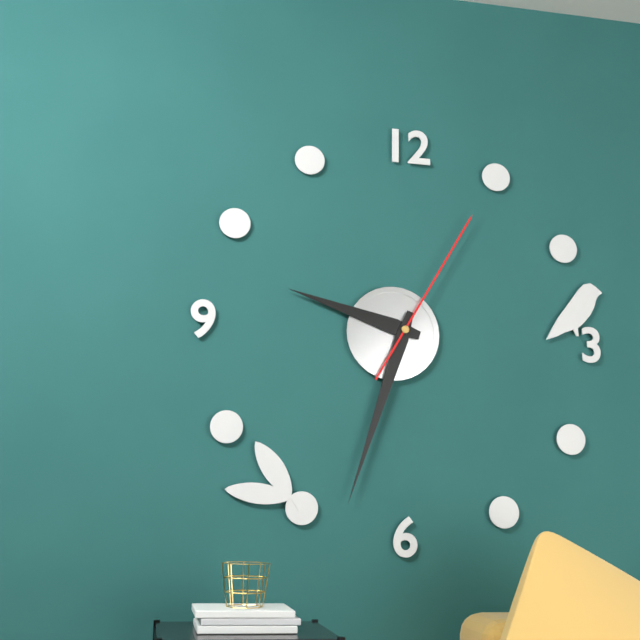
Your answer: 9.33.05
